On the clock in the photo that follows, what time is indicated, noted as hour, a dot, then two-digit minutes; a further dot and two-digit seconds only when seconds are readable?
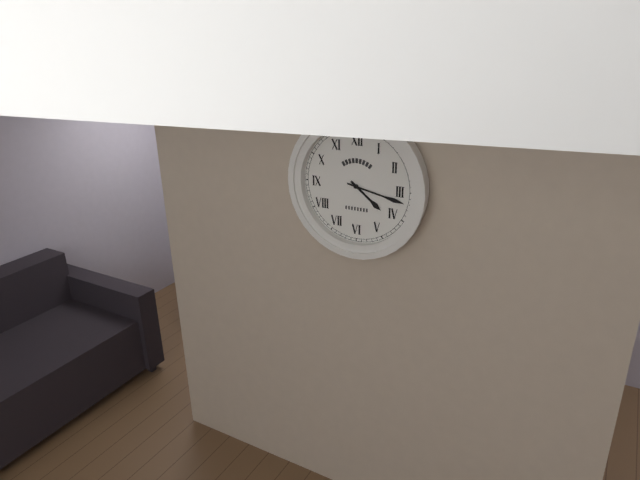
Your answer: 4.17
